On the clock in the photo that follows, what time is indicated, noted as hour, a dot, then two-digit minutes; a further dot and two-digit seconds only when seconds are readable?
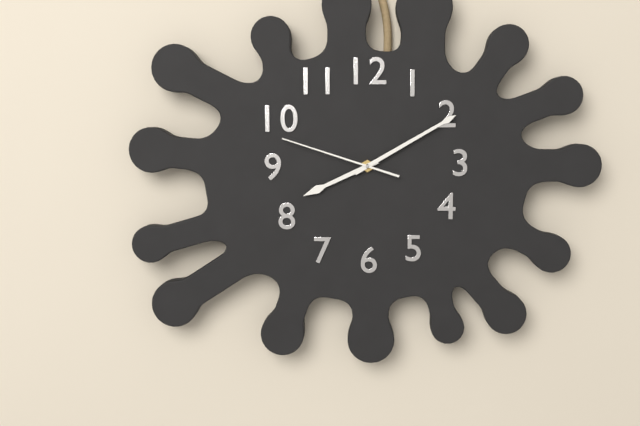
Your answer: 8.10.48
